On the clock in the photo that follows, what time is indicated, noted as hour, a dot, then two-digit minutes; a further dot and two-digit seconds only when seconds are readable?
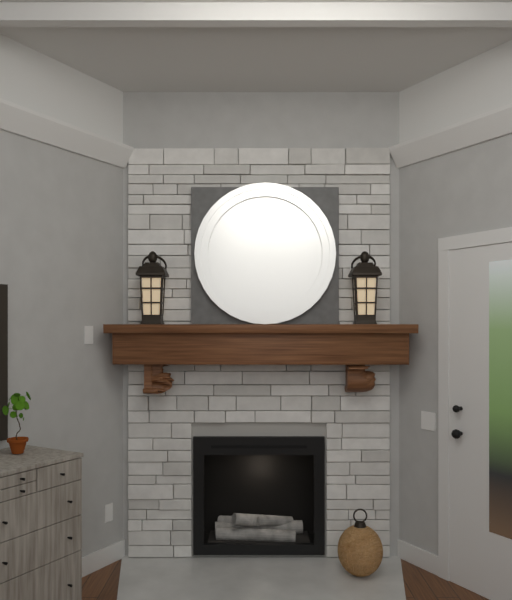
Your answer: 12.02
